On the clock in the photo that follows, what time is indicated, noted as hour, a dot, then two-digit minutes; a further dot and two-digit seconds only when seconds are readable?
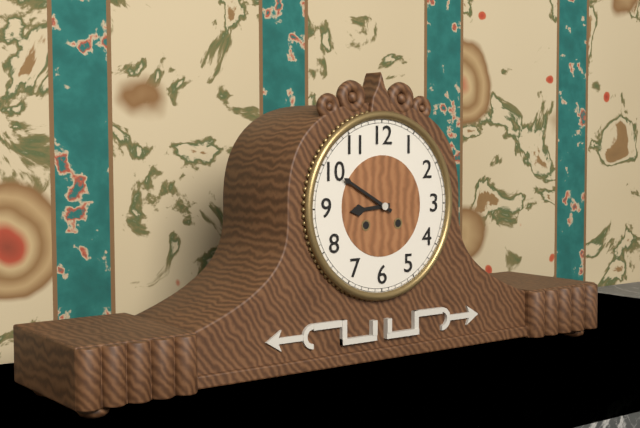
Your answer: 8.50
